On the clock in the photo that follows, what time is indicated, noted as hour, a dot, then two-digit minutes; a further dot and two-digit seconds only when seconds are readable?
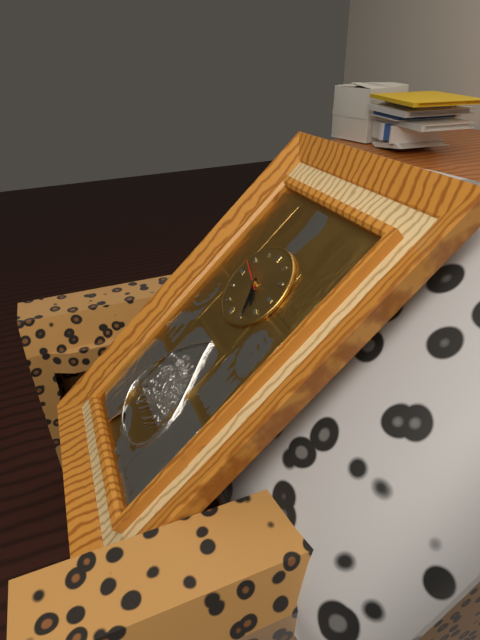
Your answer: 4.24
